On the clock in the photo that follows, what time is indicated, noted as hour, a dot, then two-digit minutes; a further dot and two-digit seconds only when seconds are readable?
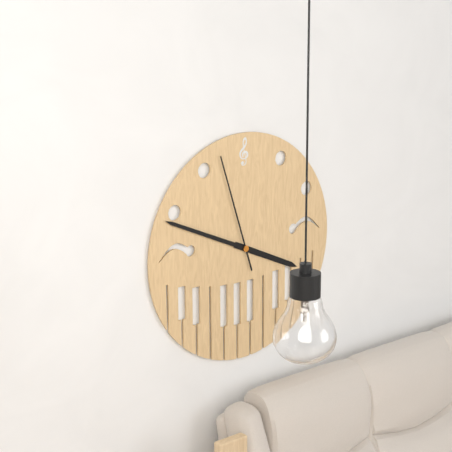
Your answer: 3.49.57
